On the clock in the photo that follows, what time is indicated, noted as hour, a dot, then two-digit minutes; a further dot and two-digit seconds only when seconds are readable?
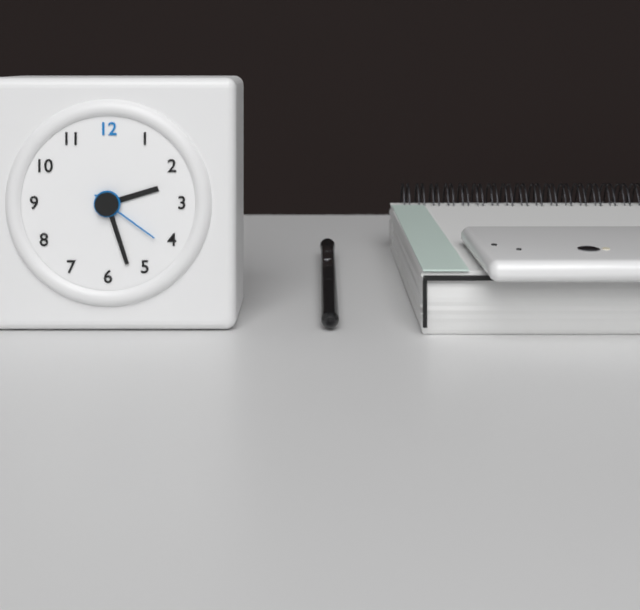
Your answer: 2.27.21
